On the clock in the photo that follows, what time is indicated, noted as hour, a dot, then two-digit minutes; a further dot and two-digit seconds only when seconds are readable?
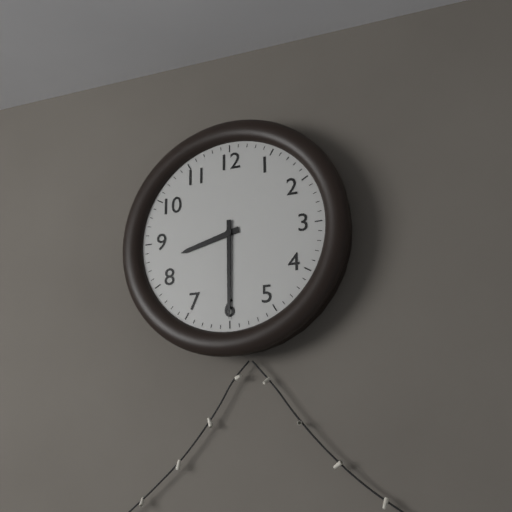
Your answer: 8.30
